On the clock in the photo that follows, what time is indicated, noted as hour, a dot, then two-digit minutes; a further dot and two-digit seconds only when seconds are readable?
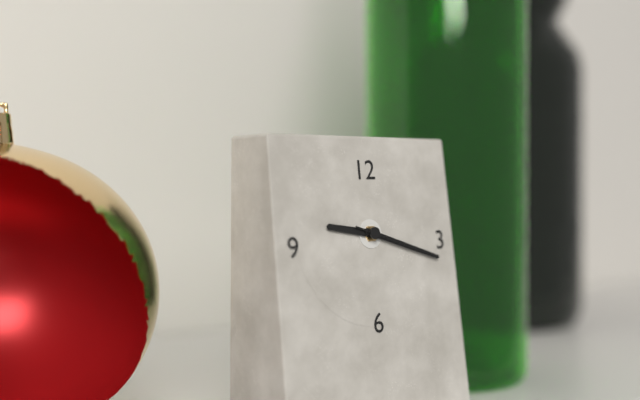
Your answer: 9.18.18
